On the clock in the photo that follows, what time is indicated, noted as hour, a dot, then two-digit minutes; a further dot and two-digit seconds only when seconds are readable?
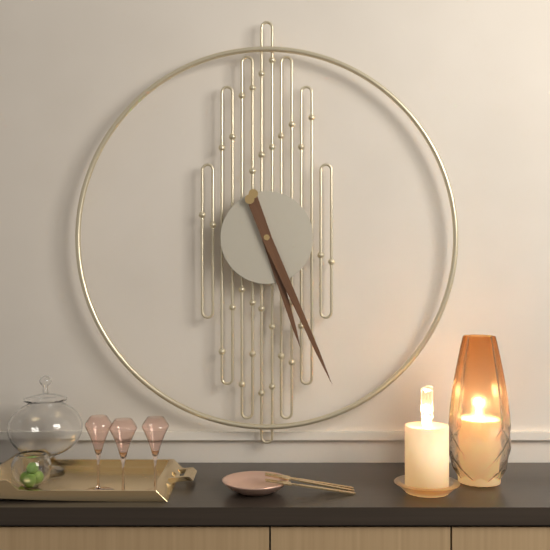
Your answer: 5.26
